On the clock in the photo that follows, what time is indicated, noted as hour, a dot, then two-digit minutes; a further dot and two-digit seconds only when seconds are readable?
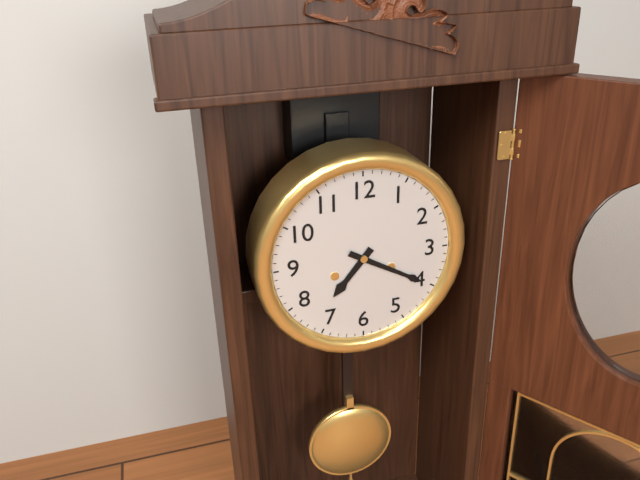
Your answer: 7.20
